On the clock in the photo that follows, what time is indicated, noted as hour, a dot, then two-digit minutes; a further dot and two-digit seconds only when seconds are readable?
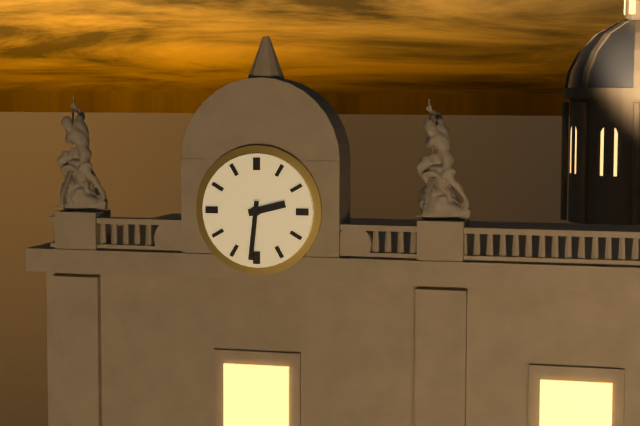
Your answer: 2.31
